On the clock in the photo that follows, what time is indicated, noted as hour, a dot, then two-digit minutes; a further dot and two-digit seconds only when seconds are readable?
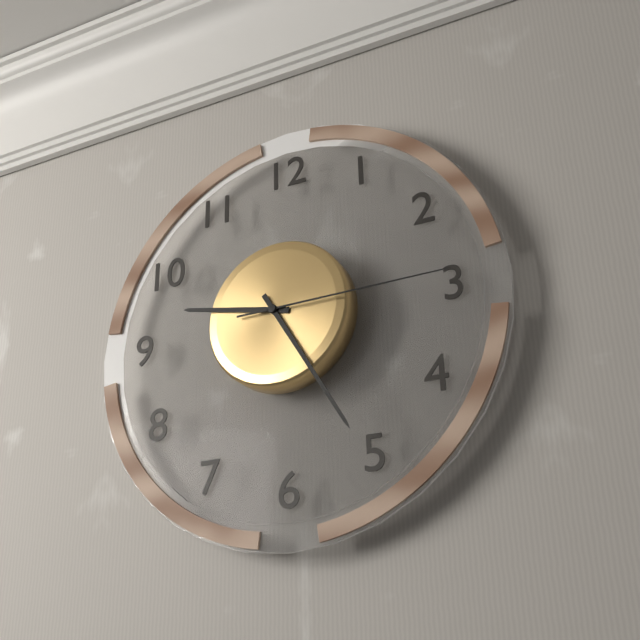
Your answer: 9.25.15
